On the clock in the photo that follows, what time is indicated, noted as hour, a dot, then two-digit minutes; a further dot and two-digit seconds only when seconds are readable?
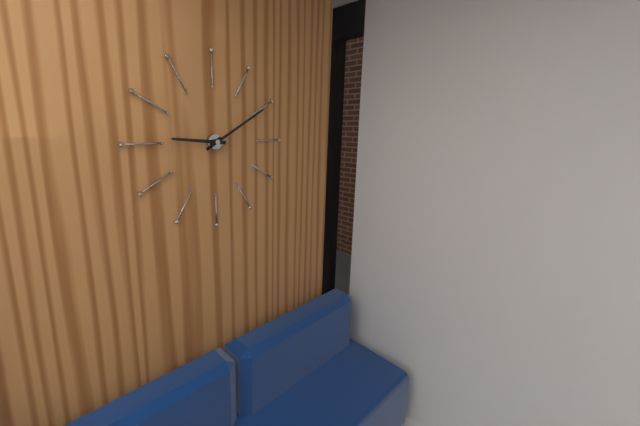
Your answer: 9.10
